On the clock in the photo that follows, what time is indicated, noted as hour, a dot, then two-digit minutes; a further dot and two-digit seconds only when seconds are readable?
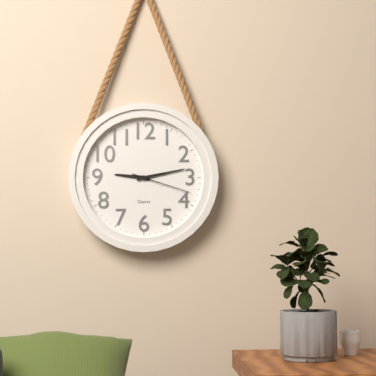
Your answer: 9.13.18
